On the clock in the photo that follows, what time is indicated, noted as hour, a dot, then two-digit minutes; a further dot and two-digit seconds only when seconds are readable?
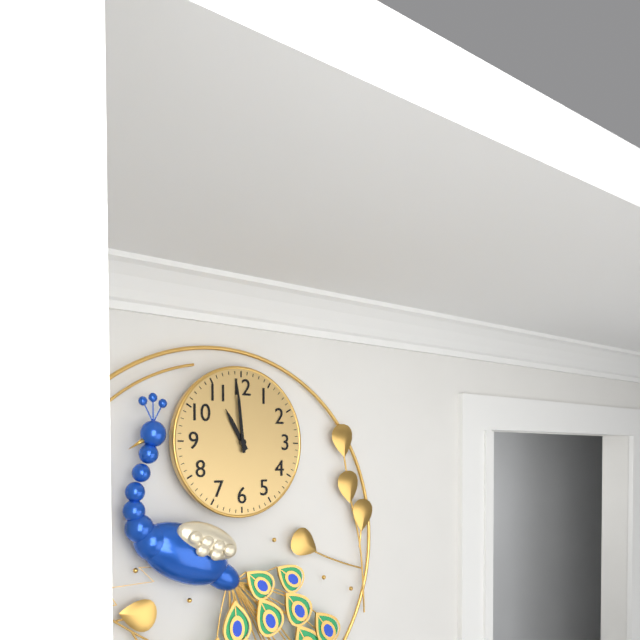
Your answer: 10.59
